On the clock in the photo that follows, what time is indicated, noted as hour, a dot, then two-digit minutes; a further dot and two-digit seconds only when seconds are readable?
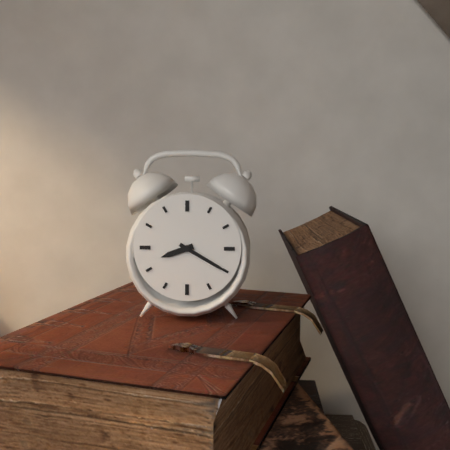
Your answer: 8.20
